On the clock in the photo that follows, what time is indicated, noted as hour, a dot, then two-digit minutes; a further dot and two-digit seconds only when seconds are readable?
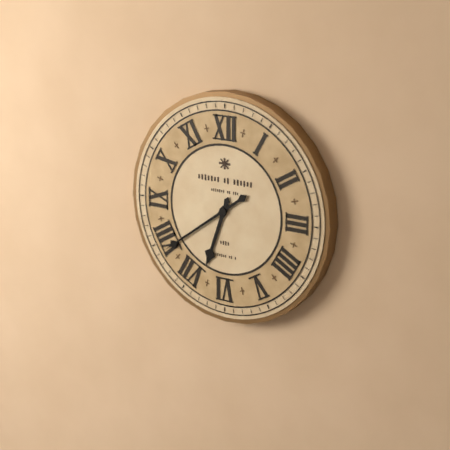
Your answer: 6.39
